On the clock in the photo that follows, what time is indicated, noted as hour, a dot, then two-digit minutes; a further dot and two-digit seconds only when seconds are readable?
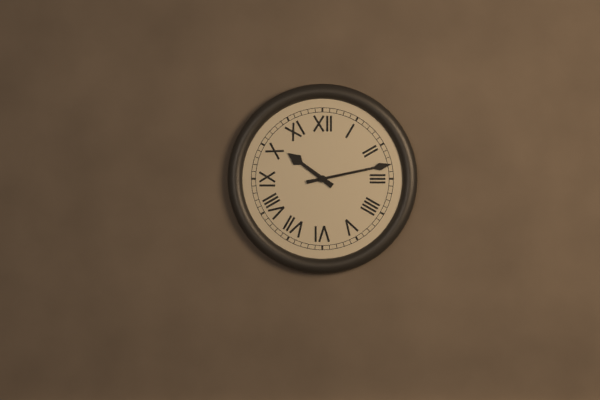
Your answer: 10.13
